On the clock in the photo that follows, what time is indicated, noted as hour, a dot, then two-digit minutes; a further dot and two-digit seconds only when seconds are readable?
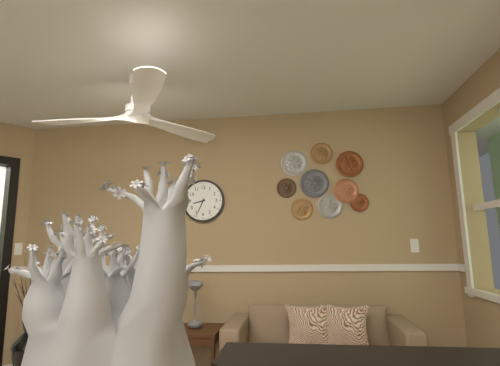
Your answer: 8.34
